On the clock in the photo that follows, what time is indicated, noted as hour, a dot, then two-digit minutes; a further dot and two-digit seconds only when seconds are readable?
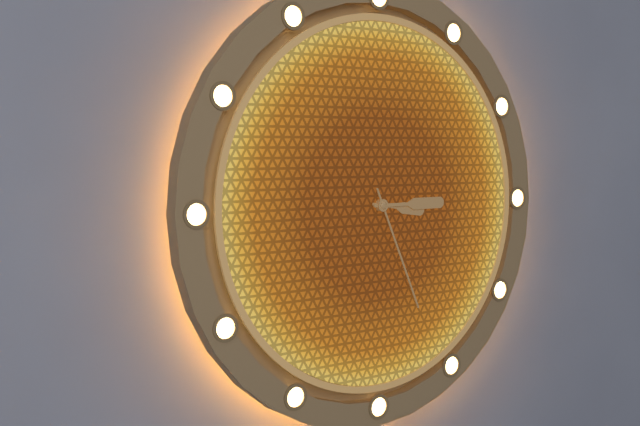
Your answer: 3.15.26
